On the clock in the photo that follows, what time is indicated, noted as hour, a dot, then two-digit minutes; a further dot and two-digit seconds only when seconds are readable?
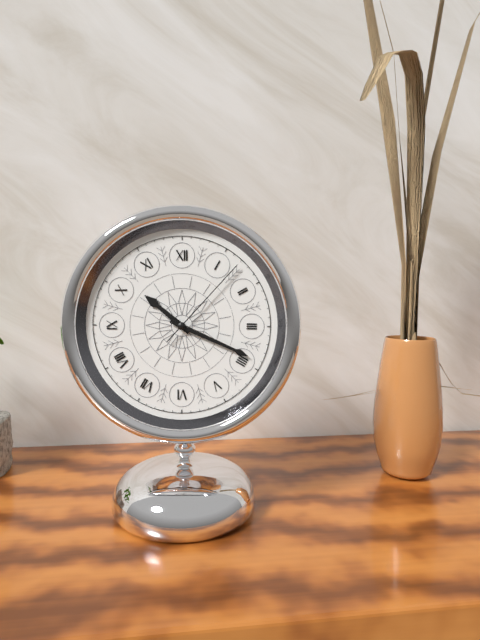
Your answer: 10.19.07
